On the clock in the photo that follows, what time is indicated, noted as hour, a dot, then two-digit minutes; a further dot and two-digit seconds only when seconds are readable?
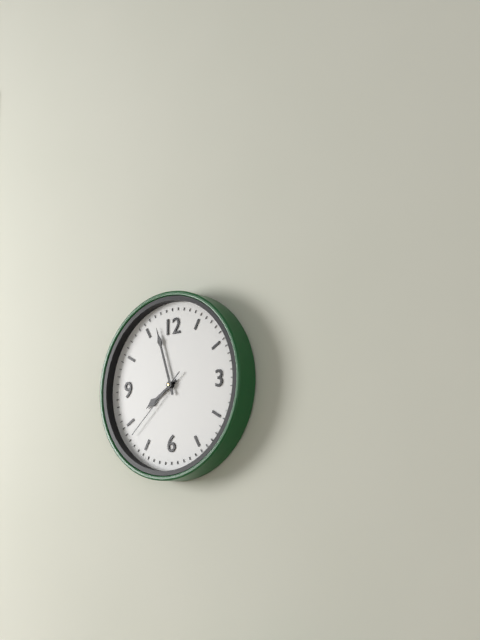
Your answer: 7.57.38
